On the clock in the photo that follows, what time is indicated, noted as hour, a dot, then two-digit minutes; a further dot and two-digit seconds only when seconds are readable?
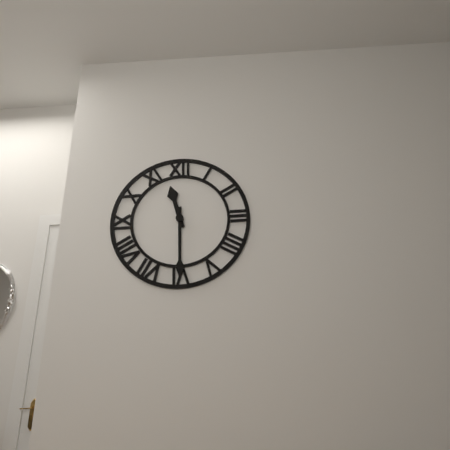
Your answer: 11.30
